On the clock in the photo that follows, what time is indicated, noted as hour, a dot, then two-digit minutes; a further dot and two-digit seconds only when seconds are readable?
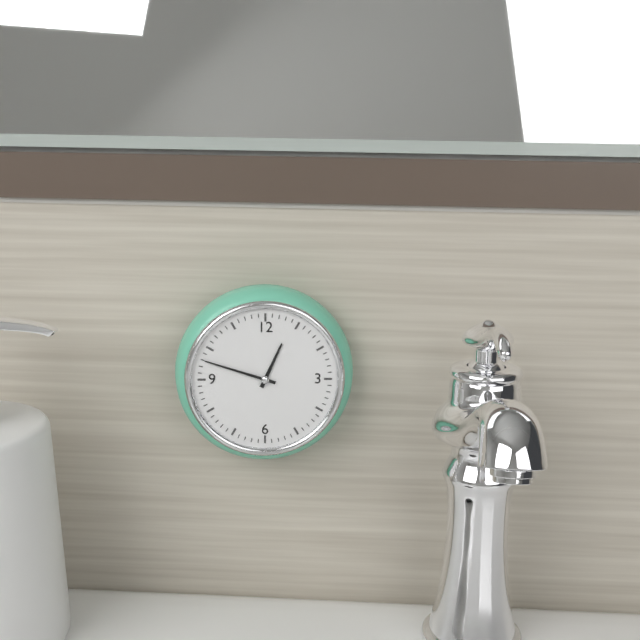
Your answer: 12.48
